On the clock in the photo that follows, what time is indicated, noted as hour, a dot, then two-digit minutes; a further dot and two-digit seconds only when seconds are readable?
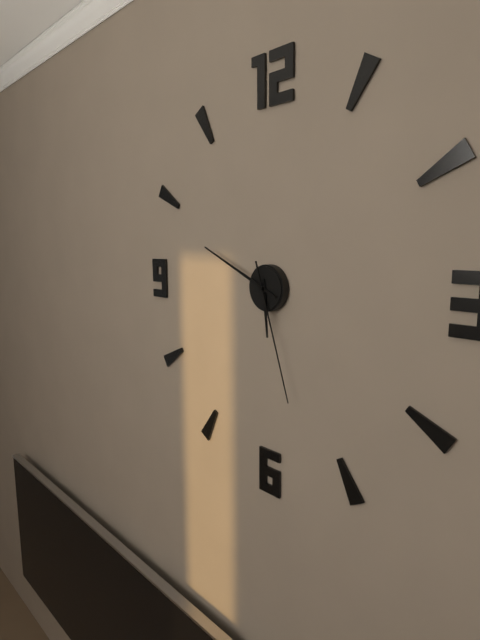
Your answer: 5.49.27
